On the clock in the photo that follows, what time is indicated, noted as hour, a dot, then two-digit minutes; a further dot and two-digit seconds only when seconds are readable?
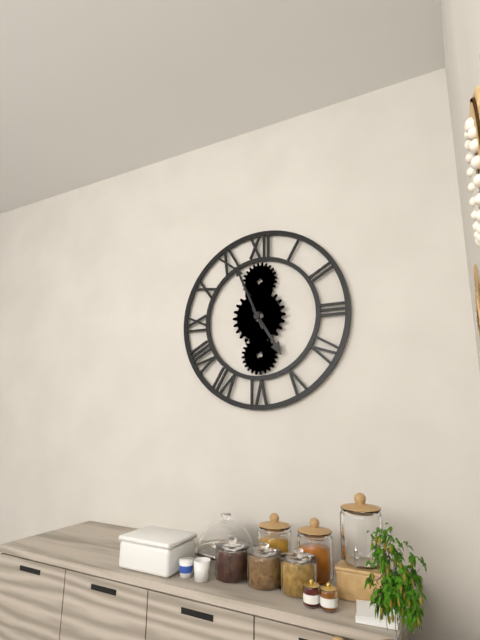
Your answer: 4.56
